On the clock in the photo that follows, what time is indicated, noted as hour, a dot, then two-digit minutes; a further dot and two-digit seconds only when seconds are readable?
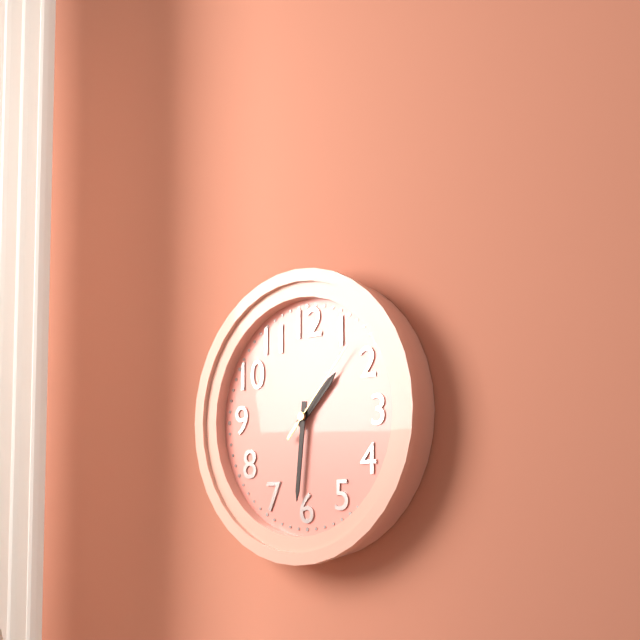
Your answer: 1.31.07
